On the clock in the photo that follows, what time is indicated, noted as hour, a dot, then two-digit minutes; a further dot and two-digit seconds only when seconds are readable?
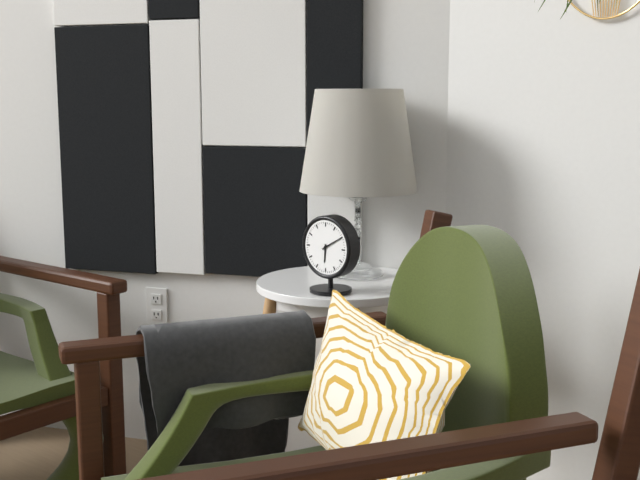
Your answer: 6.10
